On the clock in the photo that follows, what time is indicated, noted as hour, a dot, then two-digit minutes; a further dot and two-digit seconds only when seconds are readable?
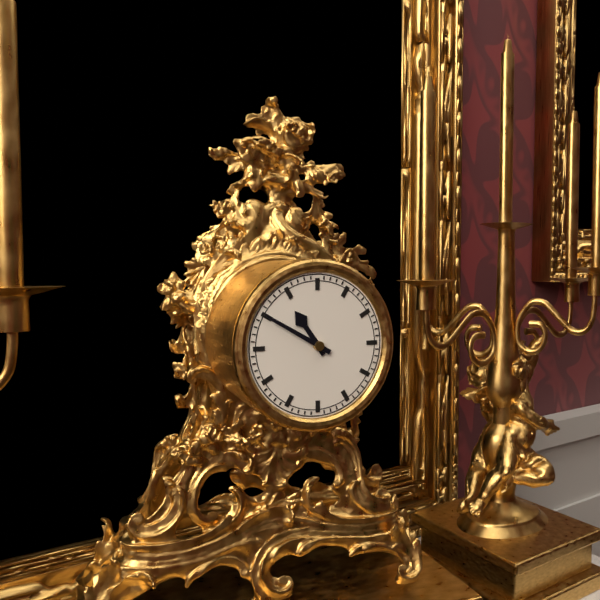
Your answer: 10.50
